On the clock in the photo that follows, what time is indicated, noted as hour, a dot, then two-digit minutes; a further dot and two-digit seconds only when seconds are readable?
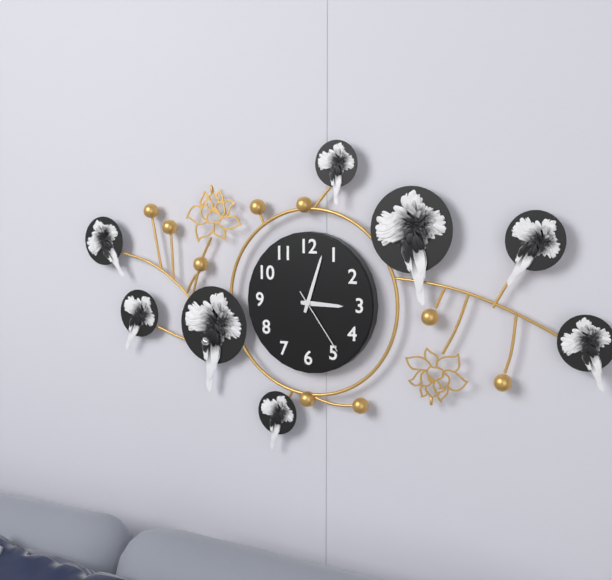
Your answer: 3.03.24
